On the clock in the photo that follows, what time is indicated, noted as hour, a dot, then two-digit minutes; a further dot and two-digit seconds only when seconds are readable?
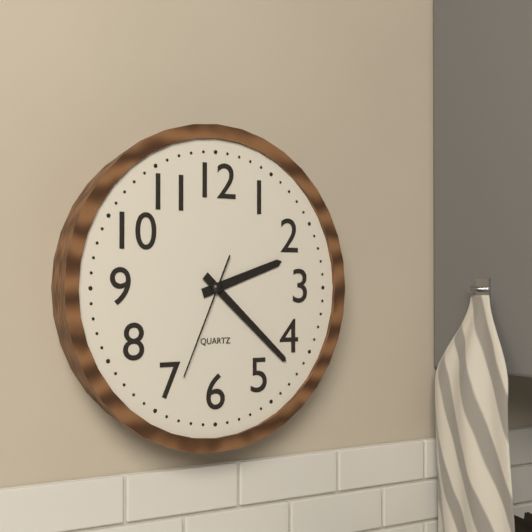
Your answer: 2.22.34
